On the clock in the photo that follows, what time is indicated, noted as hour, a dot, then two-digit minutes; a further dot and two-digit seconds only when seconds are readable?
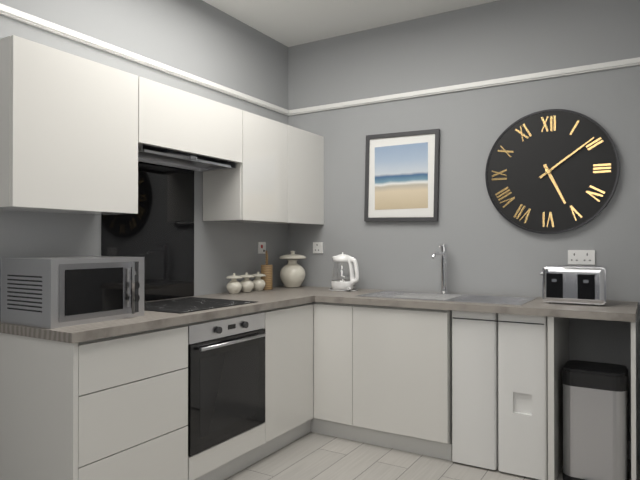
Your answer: 5.09
